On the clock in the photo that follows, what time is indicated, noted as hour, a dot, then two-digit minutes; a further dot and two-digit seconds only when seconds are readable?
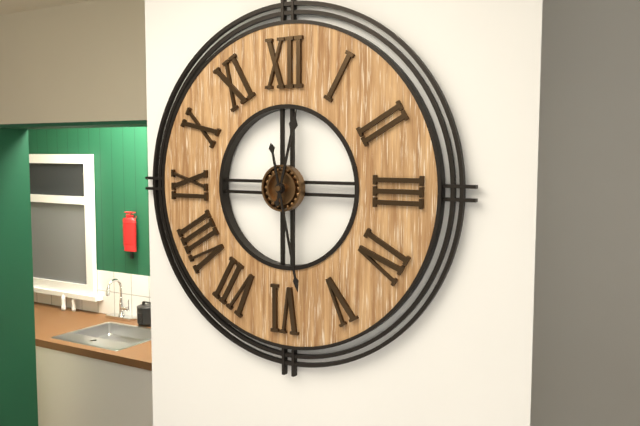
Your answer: 12.28
